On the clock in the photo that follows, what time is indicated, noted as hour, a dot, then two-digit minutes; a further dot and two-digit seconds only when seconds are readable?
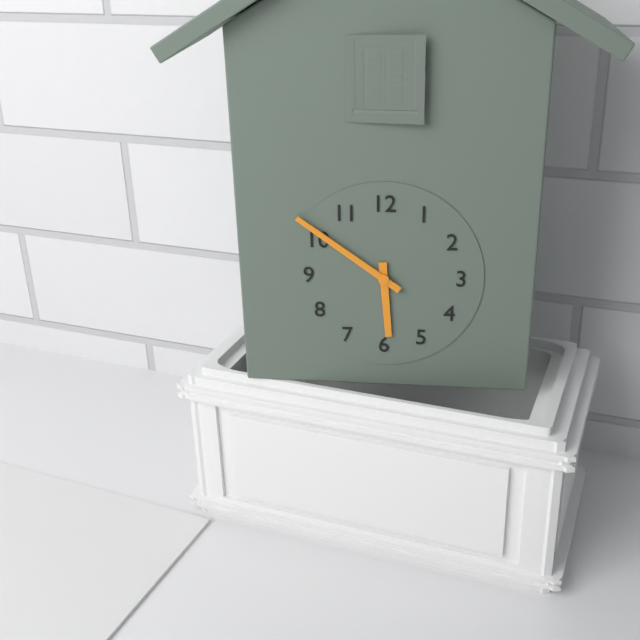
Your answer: 5.51
